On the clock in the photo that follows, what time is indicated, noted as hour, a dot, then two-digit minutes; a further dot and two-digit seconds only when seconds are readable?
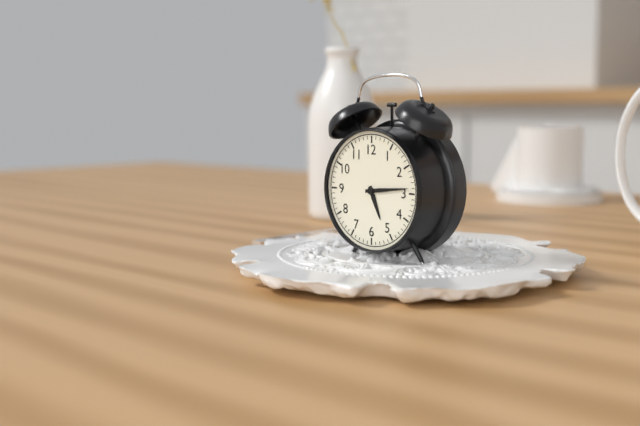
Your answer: 5.14
